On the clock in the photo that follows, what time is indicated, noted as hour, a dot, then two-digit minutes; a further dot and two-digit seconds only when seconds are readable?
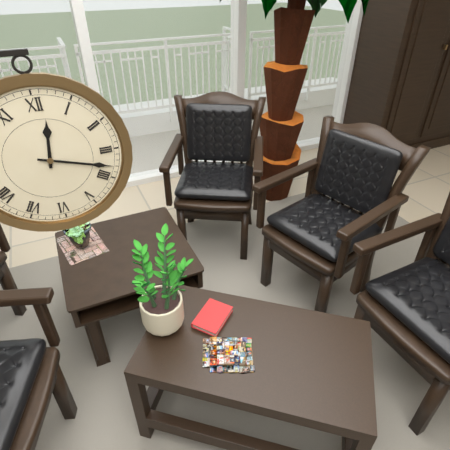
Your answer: 12.18
